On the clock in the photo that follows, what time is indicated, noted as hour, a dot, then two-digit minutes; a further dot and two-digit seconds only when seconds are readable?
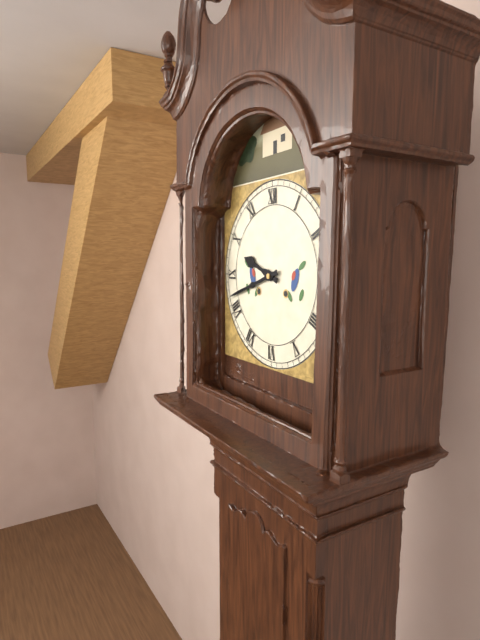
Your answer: 9.42
